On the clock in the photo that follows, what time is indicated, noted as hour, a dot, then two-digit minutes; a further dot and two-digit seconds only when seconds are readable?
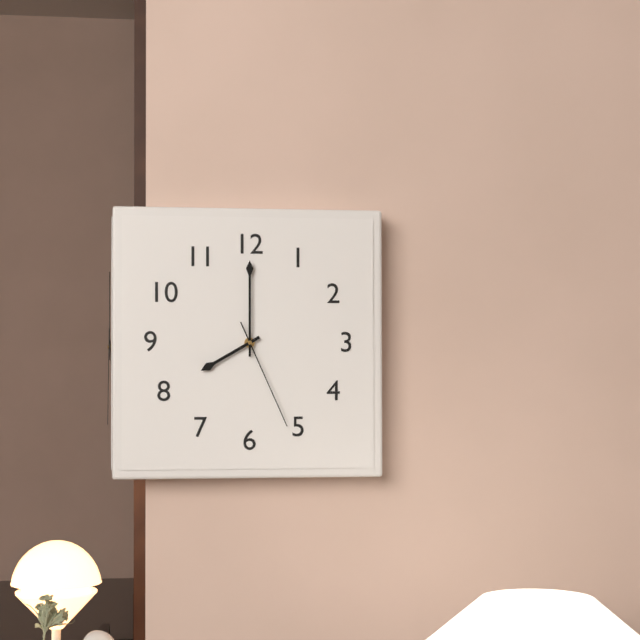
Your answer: 8.00.26
